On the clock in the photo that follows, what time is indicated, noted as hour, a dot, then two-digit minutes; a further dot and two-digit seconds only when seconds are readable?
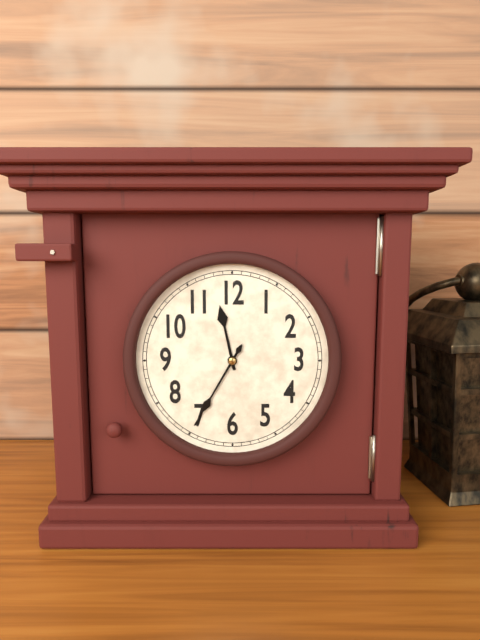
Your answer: 11.35
